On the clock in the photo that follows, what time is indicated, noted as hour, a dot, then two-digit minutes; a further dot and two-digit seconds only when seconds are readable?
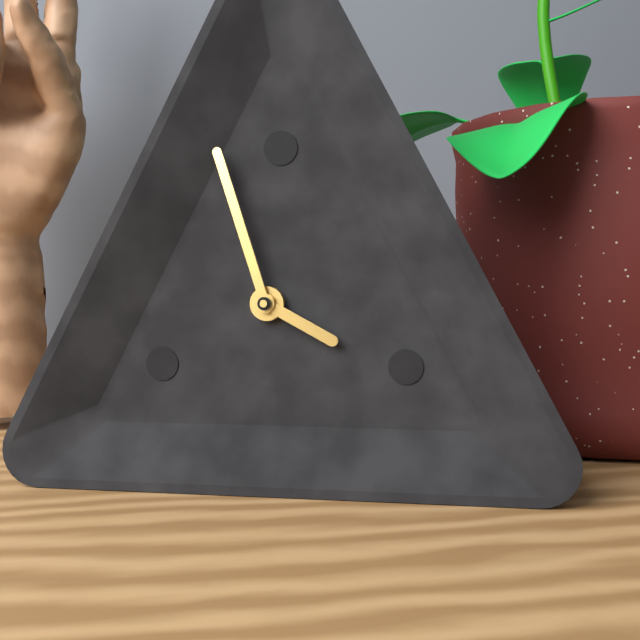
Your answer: 3.57
